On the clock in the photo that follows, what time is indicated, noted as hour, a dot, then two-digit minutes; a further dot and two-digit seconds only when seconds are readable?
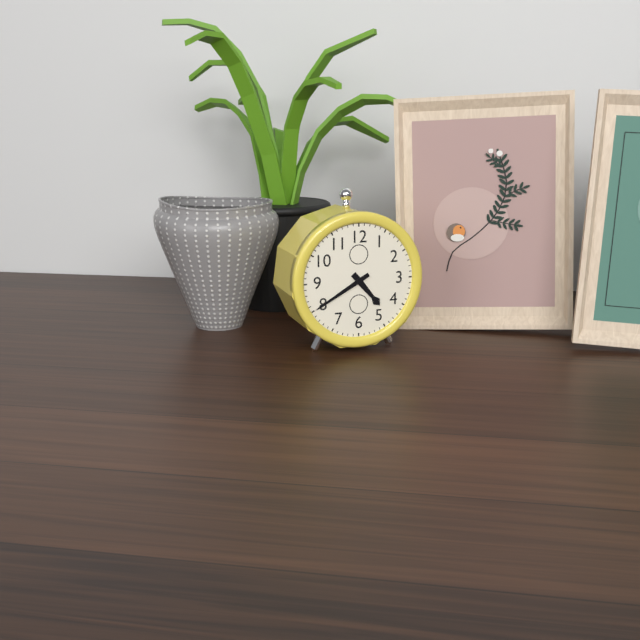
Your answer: 4.40
